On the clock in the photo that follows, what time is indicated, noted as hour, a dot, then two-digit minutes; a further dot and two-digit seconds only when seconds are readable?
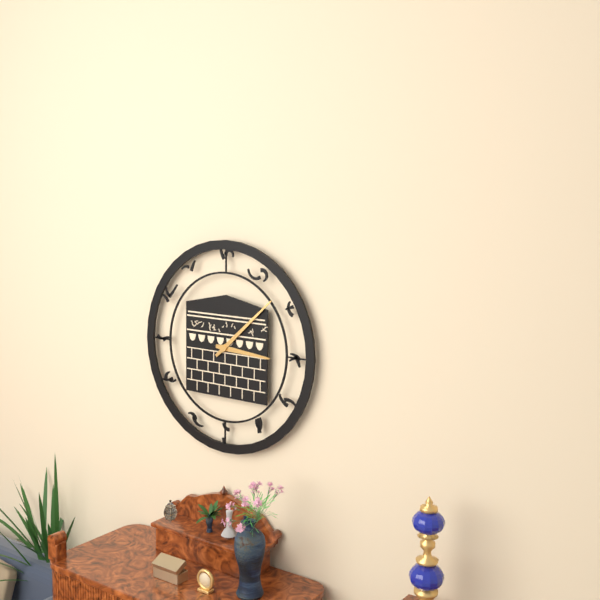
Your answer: 3.08
